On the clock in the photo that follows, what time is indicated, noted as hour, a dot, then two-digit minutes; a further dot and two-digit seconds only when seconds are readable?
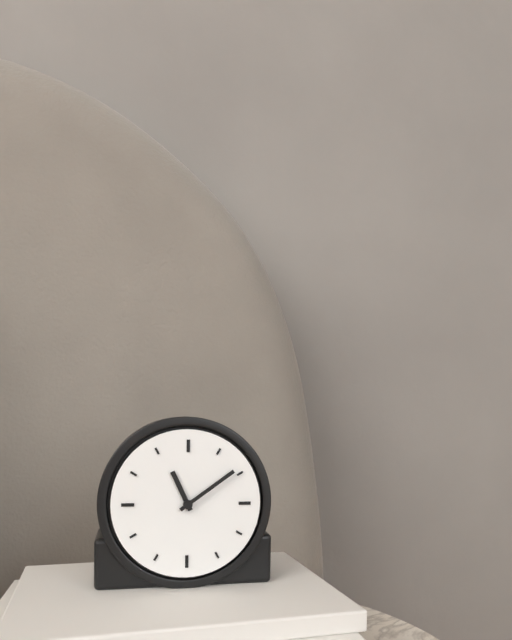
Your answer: 11.09
